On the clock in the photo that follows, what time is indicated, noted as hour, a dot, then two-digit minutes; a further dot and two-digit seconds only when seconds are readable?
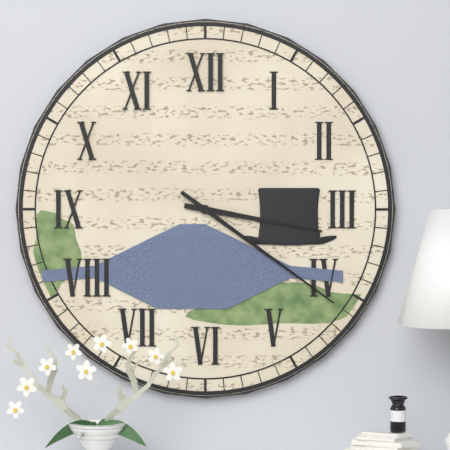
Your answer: 3.21
